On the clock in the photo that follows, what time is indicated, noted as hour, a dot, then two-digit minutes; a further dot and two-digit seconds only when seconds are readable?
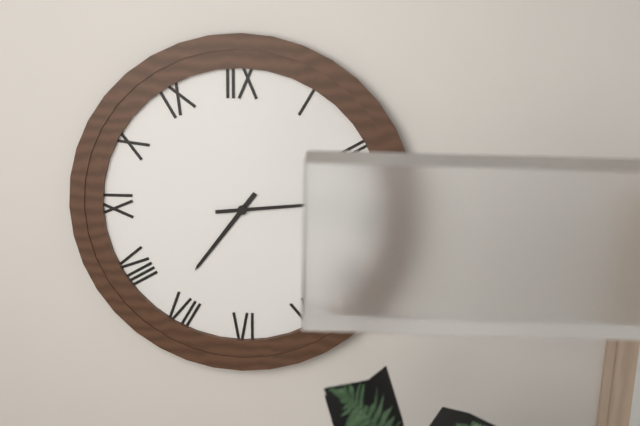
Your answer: 7.14
